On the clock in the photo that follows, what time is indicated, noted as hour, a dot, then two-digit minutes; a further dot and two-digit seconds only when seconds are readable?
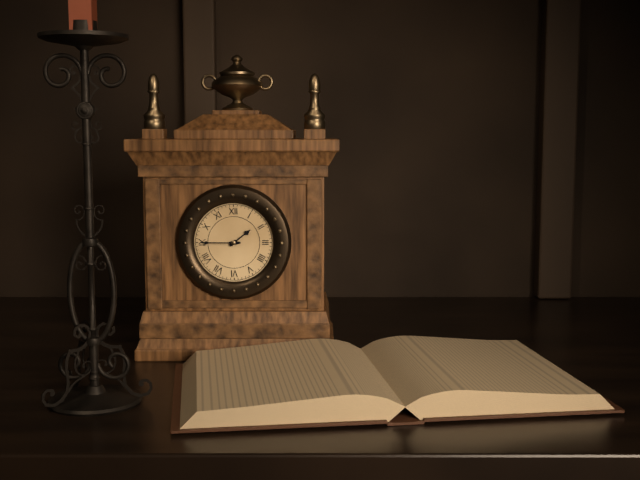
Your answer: 1.45
